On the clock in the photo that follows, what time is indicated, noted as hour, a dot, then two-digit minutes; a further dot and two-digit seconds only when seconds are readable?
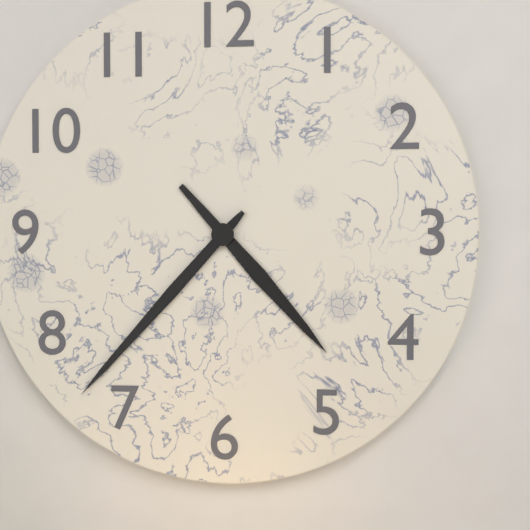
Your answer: 4.37
